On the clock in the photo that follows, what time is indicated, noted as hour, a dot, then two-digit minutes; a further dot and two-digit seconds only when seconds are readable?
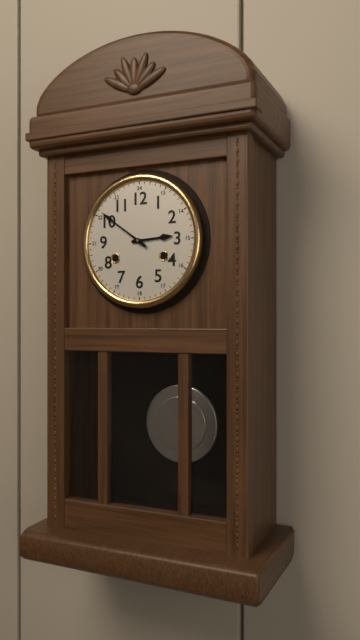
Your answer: 2.51
